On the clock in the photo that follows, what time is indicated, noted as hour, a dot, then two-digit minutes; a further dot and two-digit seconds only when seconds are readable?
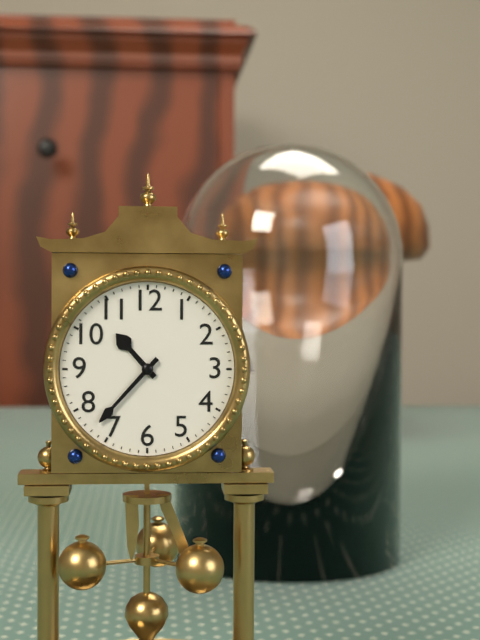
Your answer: 10.37
